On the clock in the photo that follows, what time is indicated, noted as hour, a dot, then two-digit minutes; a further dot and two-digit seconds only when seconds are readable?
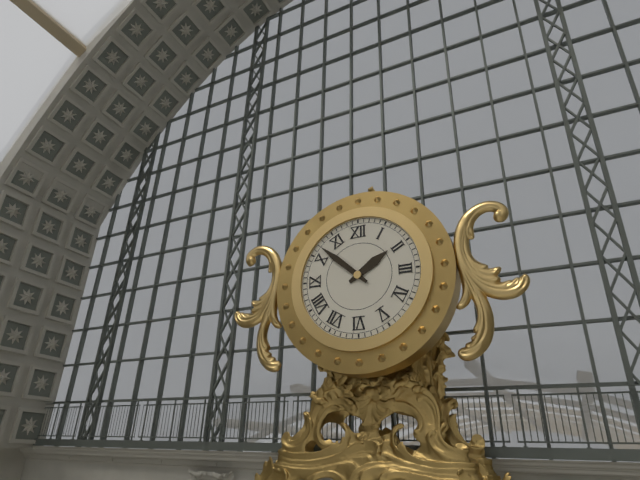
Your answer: 1.52
